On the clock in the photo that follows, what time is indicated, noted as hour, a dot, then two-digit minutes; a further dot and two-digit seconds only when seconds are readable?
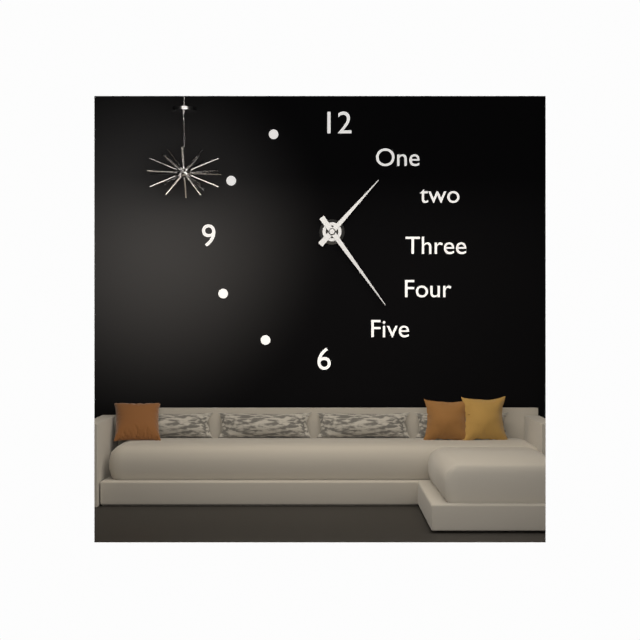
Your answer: 1.24
